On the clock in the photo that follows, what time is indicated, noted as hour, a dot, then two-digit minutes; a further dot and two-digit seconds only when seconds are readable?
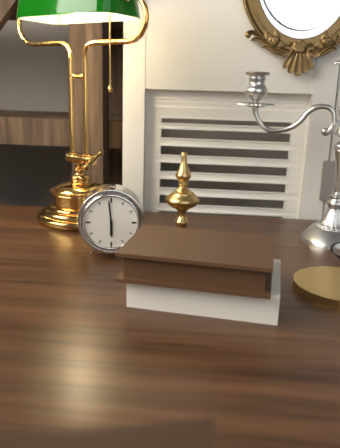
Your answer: 5.59
